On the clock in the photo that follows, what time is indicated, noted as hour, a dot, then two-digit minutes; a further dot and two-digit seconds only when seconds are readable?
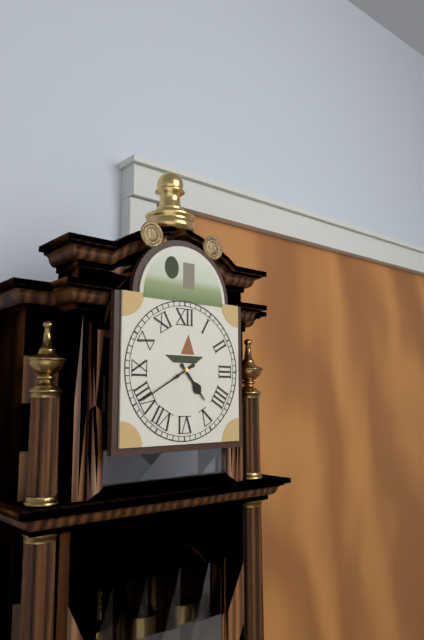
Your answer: 4.40
